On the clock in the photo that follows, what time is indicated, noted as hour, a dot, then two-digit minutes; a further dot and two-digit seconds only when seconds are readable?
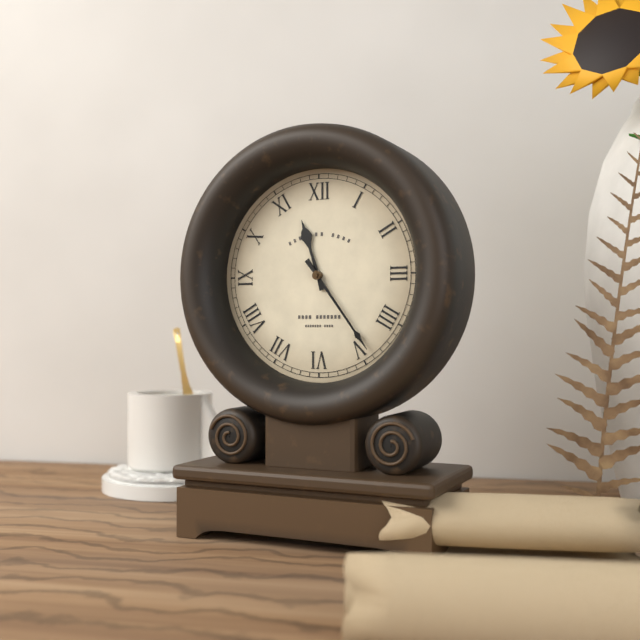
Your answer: 11.24
